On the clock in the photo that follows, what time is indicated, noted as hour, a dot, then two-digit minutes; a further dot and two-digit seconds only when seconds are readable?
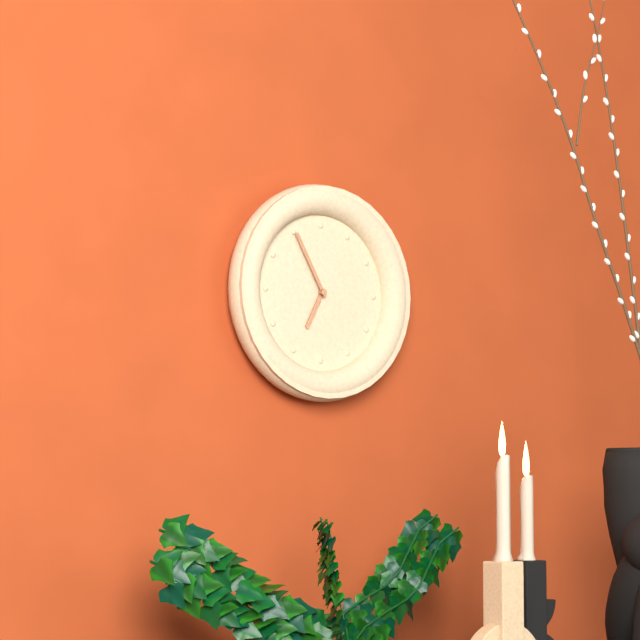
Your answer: 6.55
